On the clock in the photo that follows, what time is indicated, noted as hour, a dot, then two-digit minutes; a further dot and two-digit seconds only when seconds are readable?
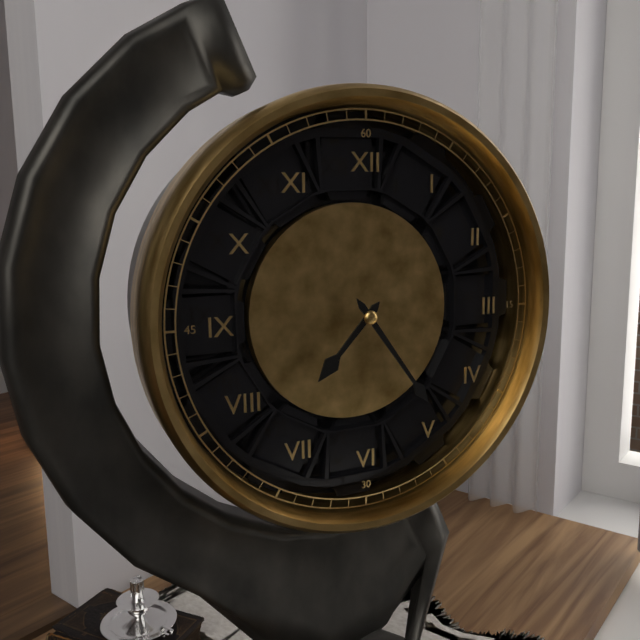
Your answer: 7.24
